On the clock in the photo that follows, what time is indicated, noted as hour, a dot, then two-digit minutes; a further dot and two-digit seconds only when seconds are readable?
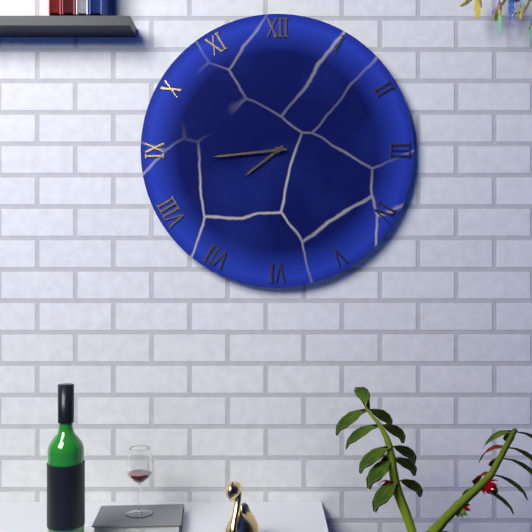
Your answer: 7.44
